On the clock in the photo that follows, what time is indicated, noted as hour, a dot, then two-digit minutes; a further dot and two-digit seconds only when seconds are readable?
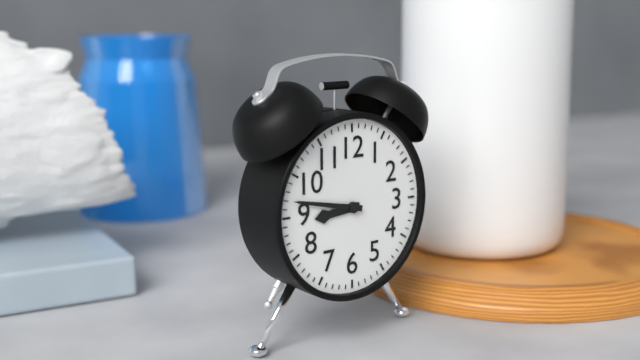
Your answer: 8.47
